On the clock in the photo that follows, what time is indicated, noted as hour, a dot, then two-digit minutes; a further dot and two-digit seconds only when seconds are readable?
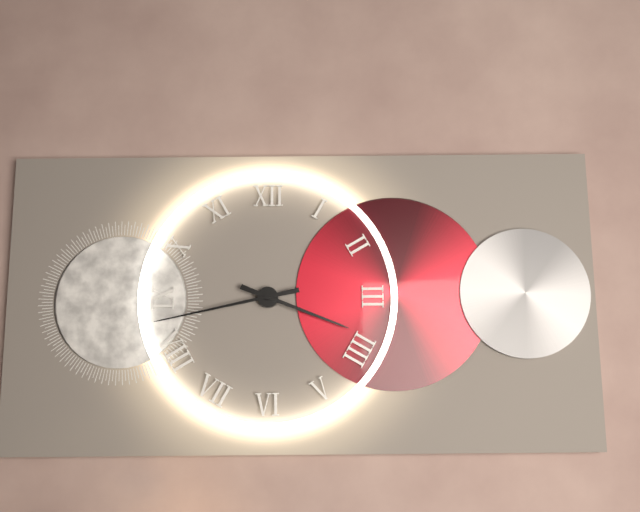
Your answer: 3.43
